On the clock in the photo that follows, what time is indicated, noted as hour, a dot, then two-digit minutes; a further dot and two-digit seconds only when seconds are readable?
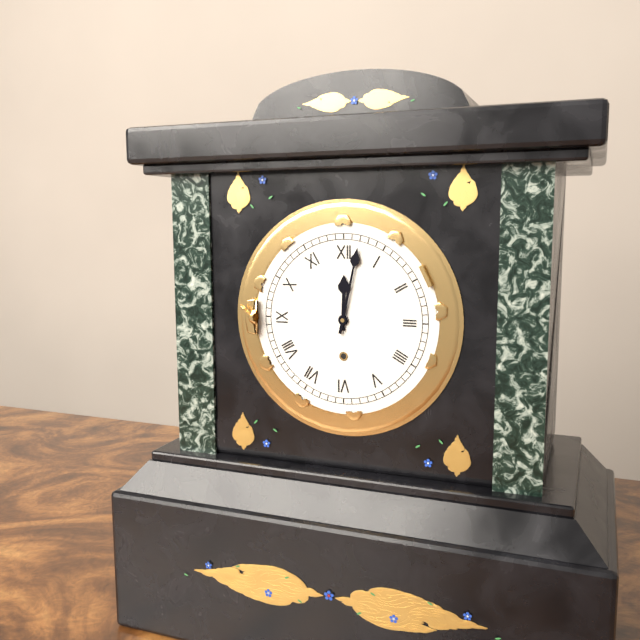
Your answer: 12.02
